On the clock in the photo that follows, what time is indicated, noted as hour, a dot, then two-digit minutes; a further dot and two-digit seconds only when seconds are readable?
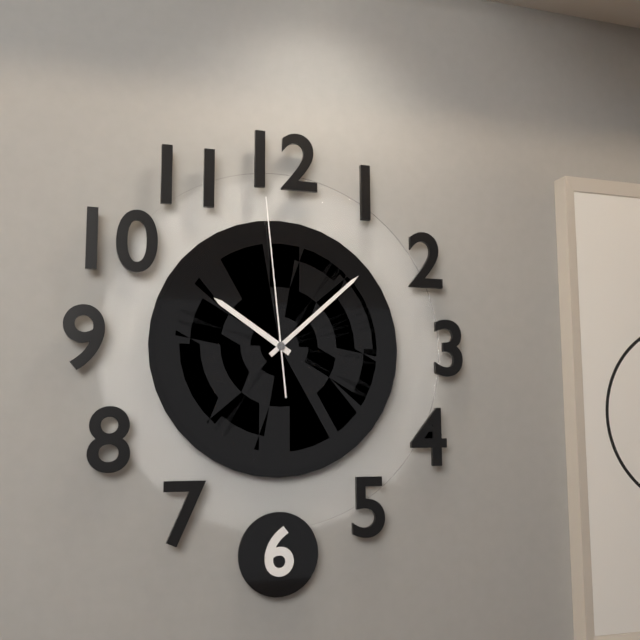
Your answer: 10.08.59
